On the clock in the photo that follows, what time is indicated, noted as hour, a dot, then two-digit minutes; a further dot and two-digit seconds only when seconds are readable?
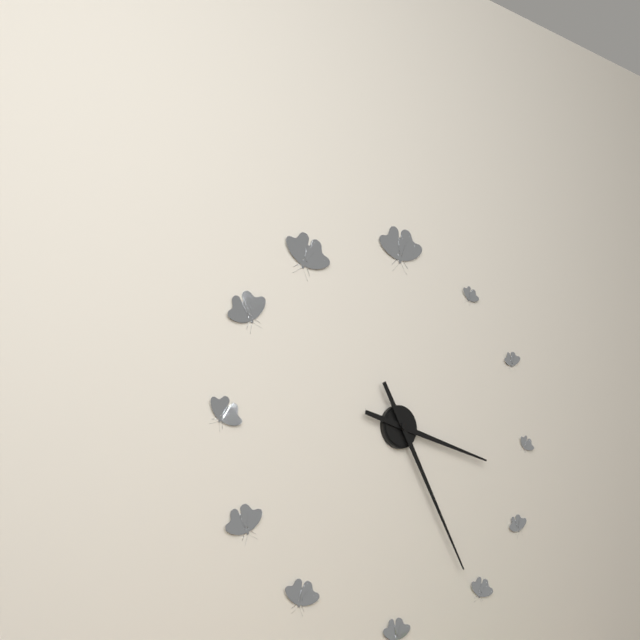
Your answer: 3.25
